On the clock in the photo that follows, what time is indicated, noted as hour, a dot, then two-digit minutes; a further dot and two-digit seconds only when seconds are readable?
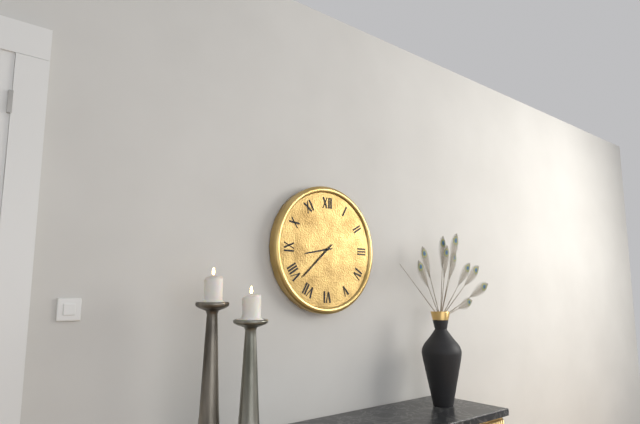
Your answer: 8.38
